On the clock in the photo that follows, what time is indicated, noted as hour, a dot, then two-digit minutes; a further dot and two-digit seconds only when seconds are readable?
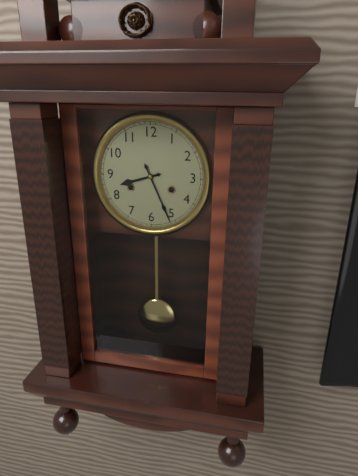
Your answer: 8.26
